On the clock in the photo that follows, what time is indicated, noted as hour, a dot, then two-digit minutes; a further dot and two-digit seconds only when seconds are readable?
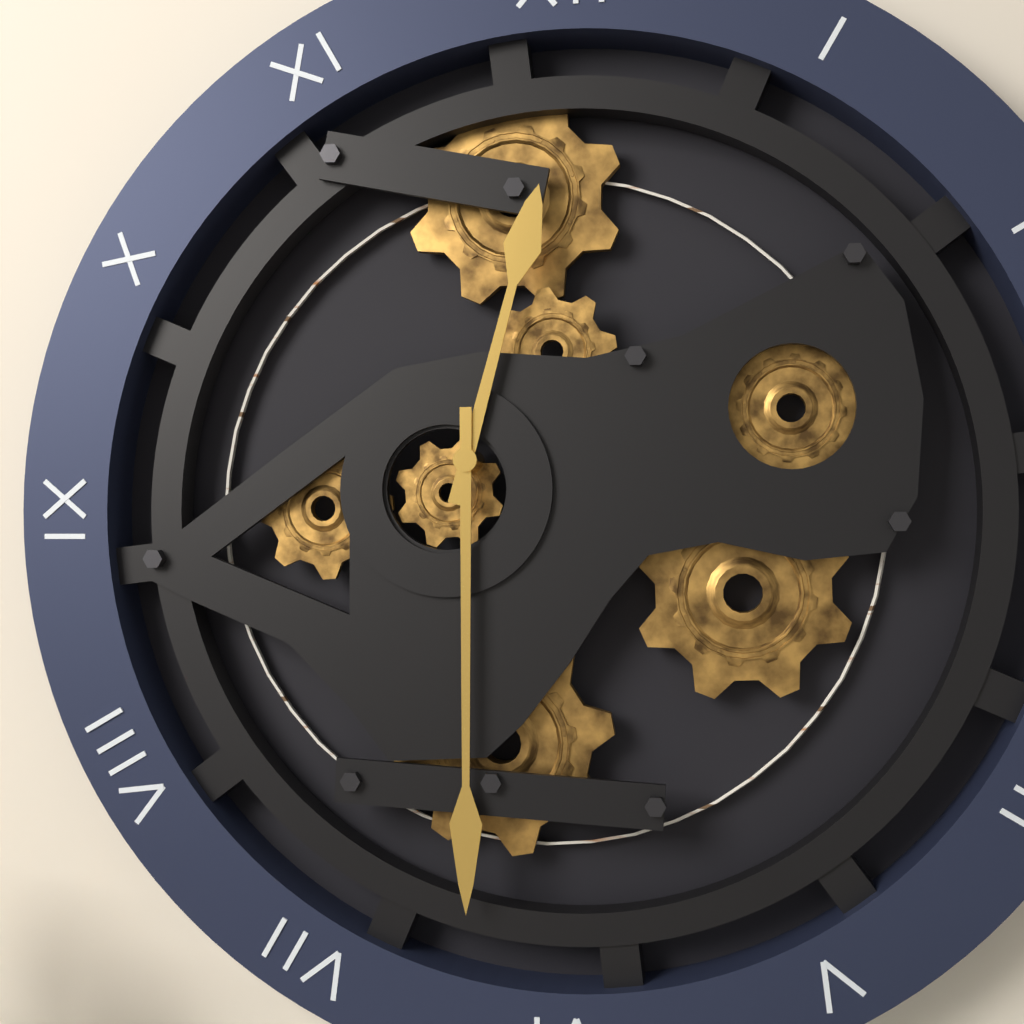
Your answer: 12.30
